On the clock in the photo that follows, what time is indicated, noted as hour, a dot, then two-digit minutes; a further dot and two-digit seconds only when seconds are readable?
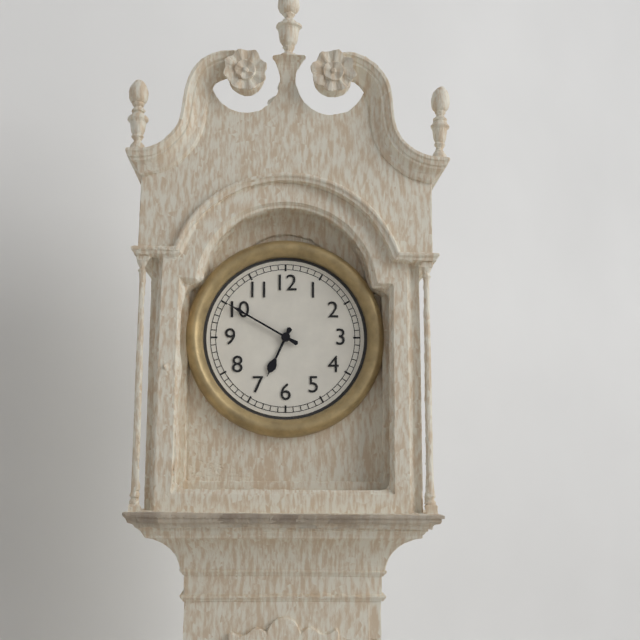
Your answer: 6.50
